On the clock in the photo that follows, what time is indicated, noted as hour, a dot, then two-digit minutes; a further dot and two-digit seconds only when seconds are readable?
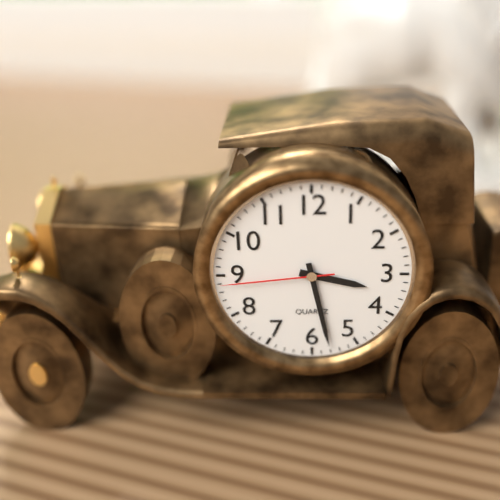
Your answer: 3.28.44
